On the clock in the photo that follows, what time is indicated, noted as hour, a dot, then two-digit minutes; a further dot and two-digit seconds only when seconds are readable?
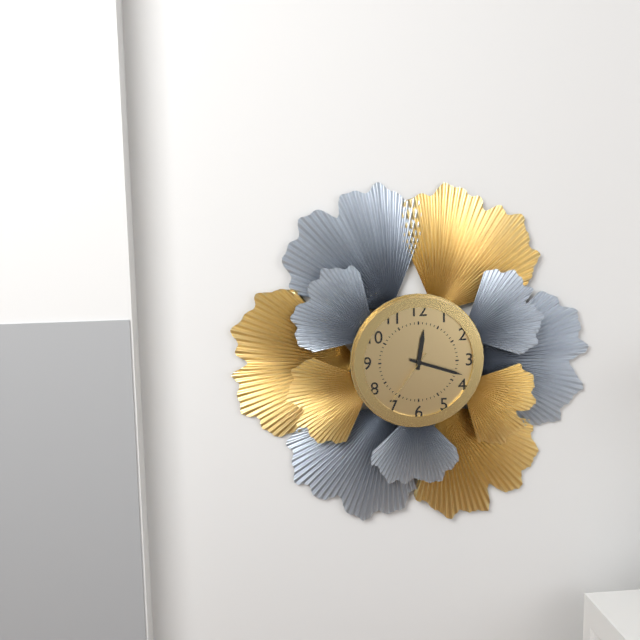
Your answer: 12.18.36
